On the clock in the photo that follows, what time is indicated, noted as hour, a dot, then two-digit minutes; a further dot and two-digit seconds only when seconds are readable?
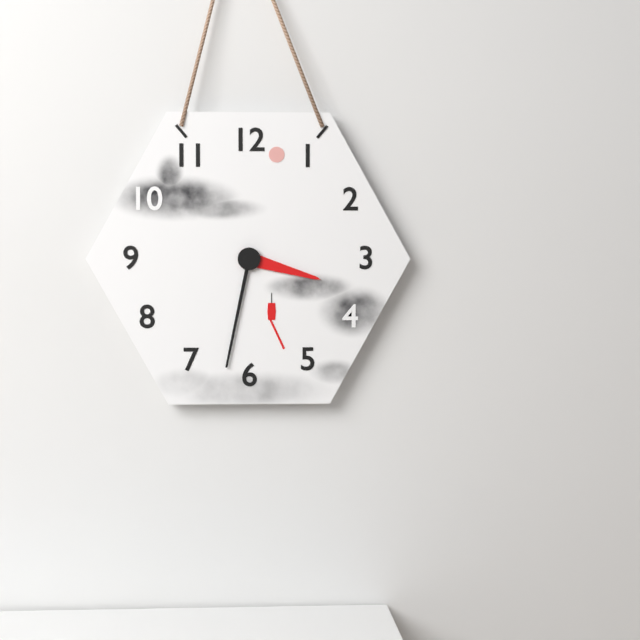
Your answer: 3.32
